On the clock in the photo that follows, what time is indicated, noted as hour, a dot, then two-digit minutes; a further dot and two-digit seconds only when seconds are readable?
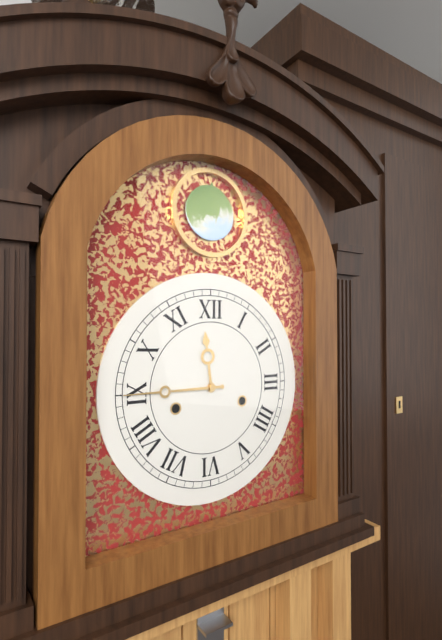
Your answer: 11.45
